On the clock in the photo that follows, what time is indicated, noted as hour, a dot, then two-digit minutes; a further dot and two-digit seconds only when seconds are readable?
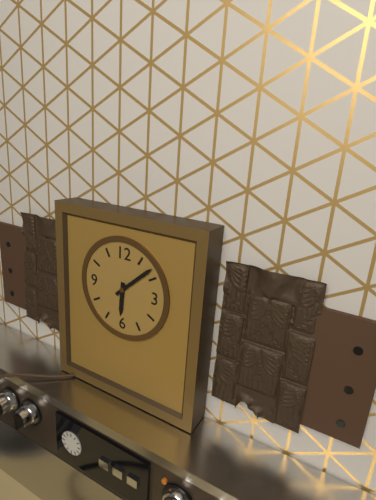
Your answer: 6.08
